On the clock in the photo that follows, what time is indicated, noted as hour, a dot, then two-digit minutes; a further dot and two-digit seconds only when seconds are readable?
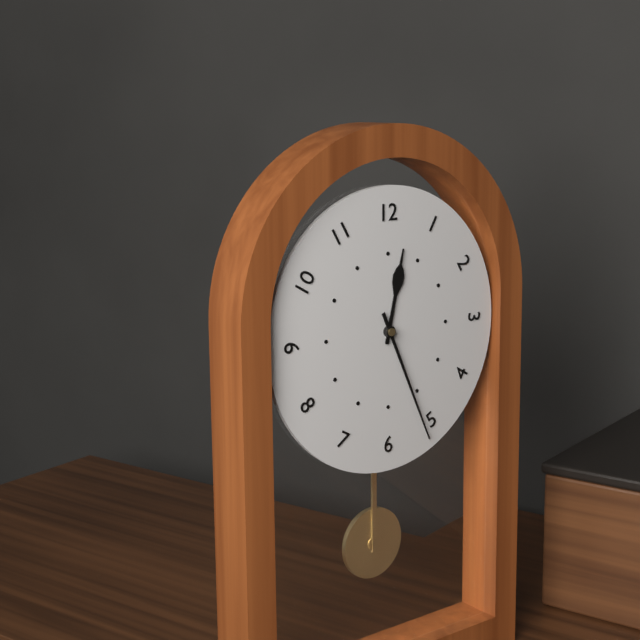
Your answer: 12.26
